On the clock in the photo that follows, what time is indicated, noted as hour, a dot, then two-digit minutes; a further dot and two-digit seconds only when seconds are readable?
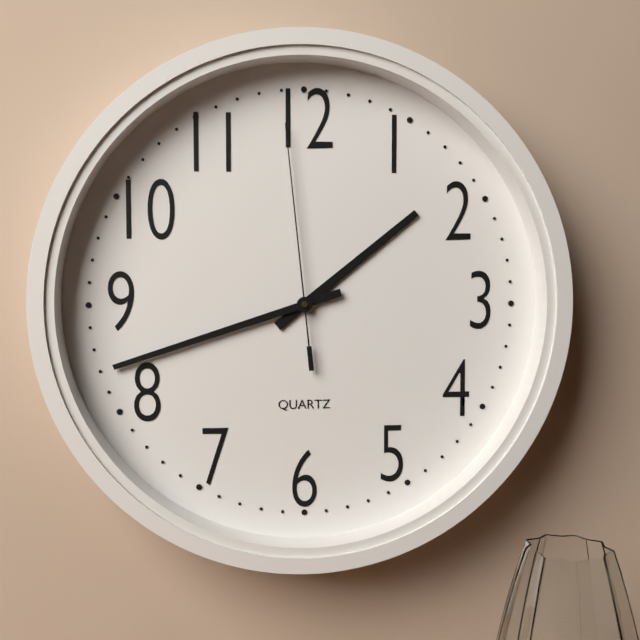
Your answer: 1.42.59
